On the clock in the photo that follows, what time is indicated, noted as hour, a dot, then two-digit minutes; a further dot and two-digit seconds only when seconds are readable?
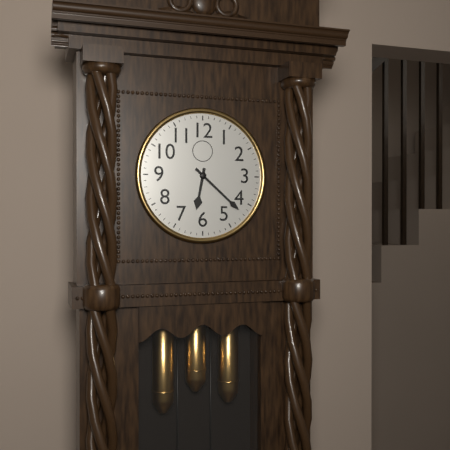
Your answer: 6.22
